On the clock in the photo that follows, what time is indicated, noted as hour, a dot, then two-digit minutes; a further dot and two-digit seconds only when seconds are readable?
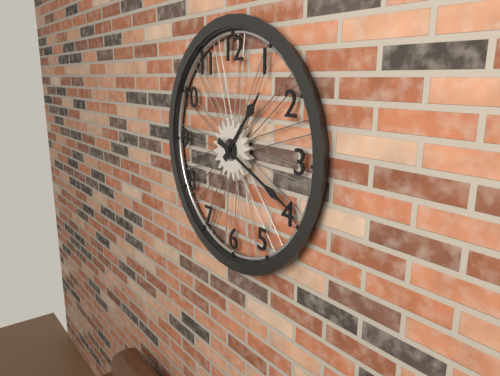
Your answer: 1.19
